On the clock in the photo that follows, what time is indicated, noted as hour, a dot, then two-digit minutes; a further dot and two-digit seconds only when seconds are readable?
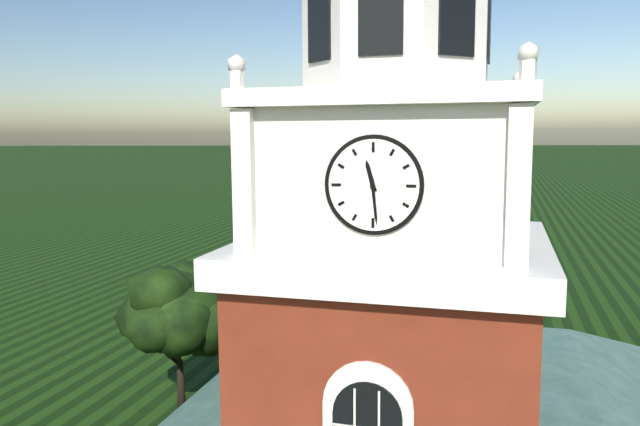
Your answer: 11.29
